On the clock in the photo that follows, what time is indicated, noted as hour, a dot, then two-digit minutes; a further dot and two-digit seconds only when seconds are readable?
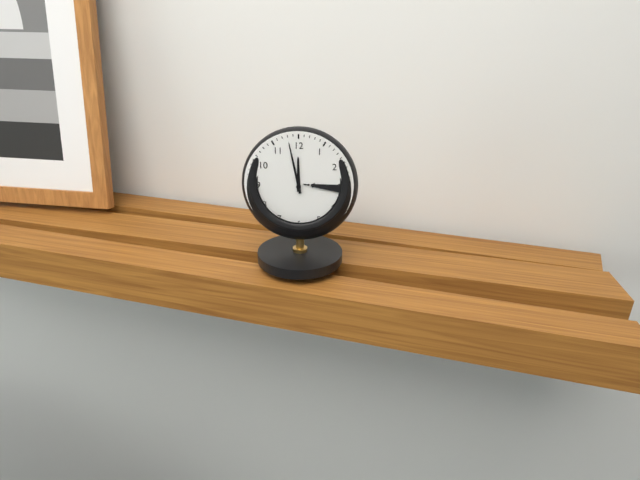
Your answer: 11.58
